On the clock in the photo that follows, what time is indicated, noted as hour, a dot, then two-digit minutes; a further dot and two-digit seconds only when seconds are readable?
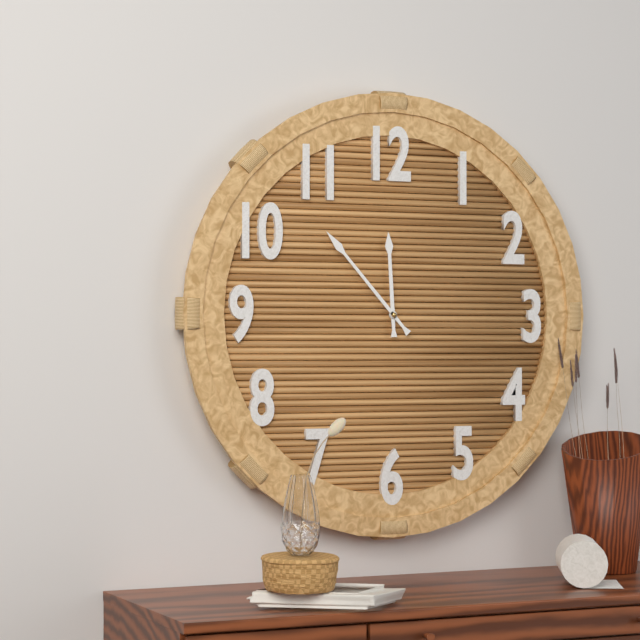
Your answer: 11.53
